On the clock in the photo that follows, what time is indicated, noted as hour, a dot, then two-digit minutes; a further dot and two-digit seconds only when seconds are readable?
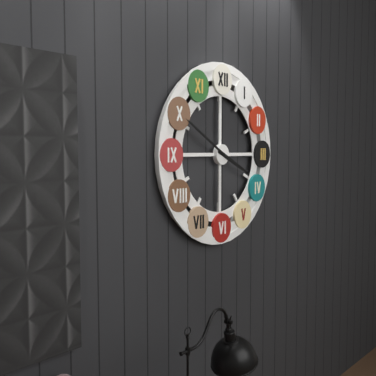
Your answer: 3.50
